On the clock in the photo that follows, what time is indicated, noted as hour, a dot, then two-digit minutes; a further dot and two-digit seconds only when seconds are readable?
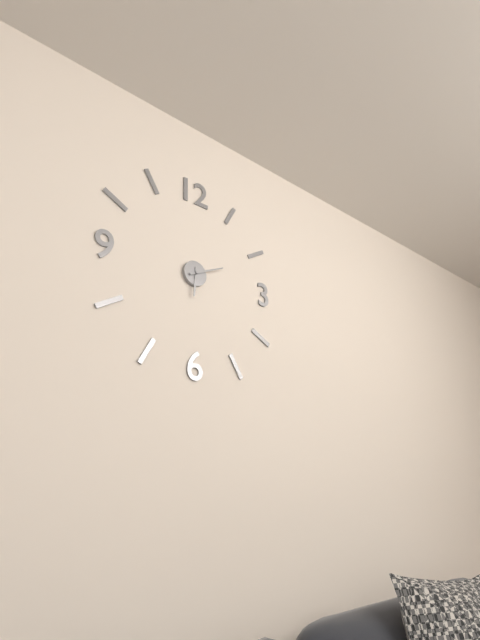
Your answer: 6.11
